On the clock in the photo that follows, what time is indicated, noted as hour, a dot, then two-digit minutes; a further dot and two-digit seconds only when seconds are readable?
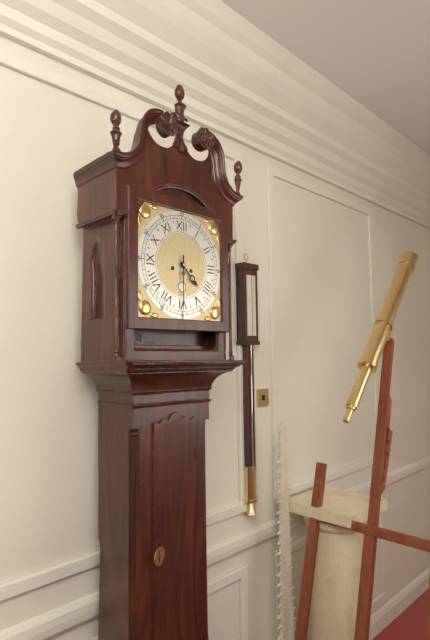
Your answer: 4.30
